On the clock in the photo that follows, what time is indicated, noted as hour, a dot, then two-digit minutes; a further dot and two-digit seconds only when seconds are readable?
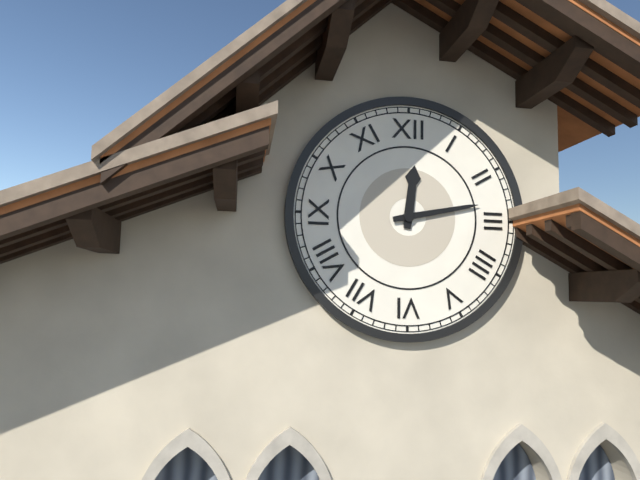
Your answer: 12.13
